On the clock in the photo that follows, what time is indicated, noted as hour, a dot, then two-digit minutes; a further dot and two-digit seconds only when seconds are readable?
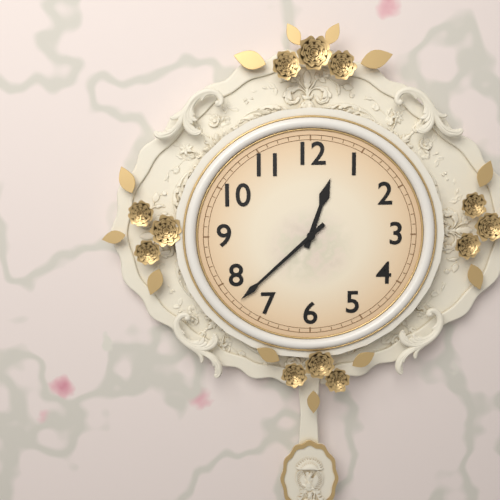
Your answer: 12.38
